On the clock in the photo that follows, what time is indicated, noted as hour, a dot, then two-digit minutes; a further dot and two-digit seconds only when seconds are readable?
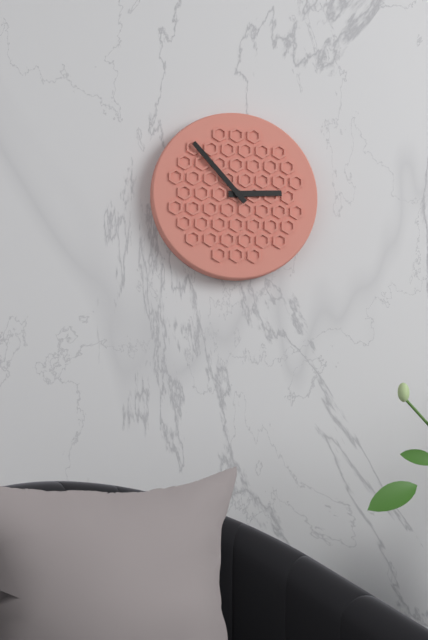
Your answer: 2.53
